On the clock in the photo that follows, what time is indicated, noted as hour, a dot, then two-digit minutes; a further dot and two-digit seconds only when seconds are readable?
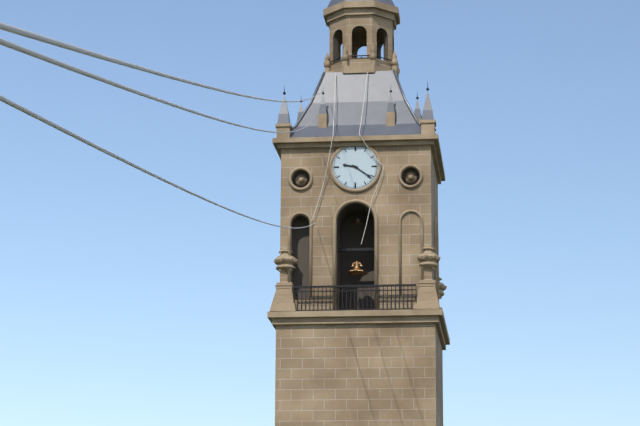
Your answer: 9.21
